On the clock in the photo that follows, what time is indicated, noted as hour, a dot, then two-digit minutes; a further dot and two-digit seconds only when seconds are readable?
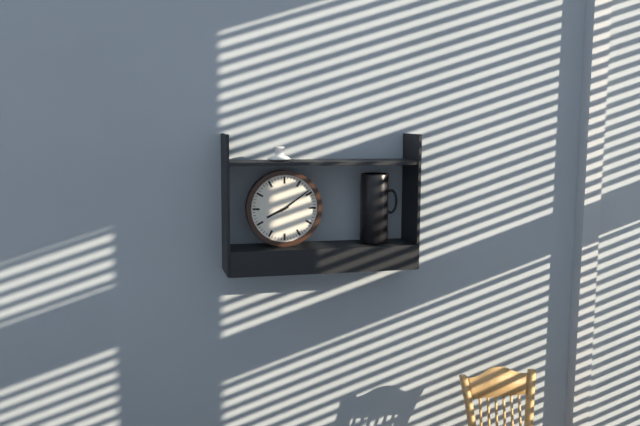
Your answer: 8.09
